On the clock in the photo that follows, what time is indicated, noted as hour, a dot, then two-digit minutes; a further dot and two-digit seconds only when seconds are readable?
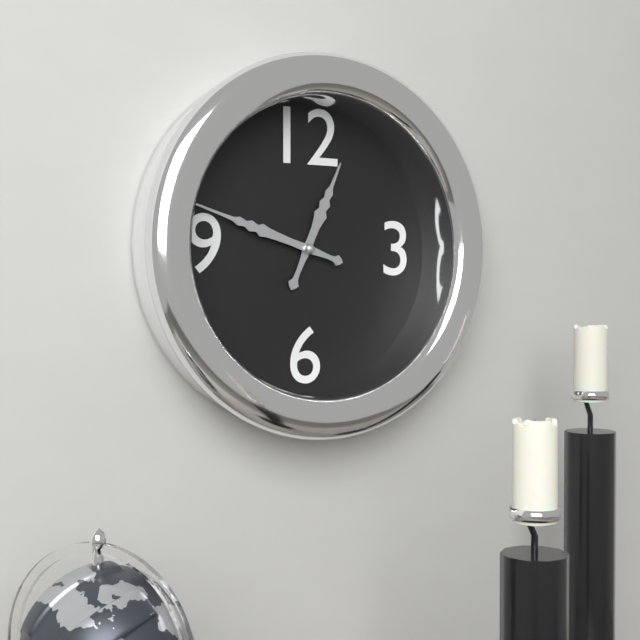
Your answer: 12.48
